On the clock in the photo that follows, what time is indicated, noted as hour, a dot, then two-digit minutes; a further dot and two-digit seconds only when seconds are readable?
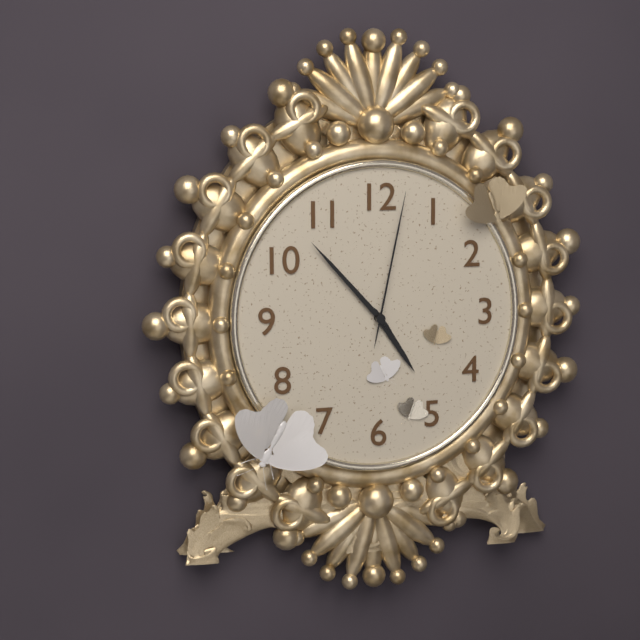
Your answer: 4.53.02
